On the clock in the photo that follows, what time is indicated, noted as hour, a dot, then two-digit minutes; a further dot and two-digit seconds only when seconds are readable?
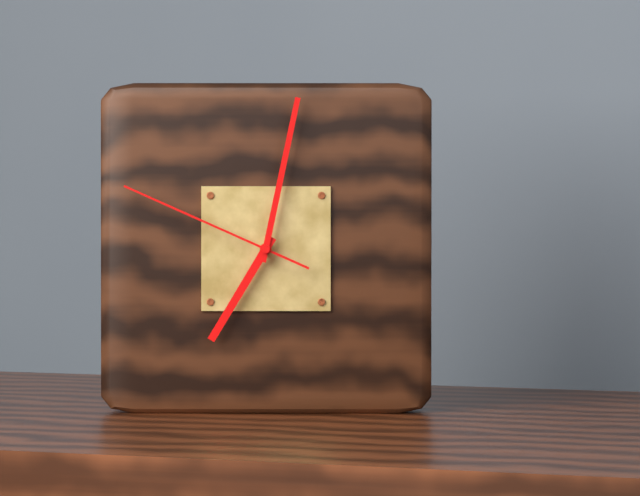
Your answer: 7.02.49
